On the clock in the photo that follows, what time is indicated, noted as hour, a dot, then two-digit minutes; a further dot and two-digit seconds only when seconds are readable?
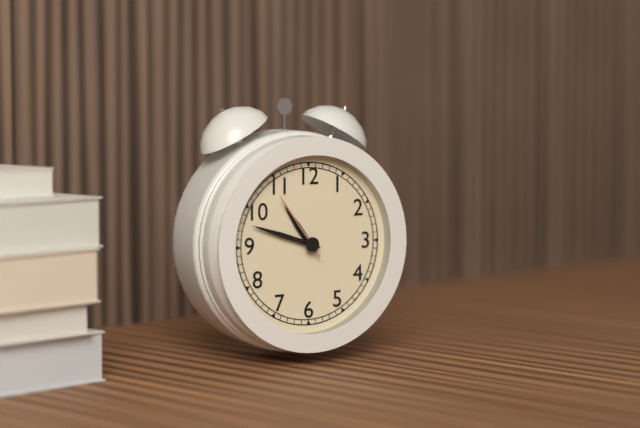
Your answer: 10.48.54
